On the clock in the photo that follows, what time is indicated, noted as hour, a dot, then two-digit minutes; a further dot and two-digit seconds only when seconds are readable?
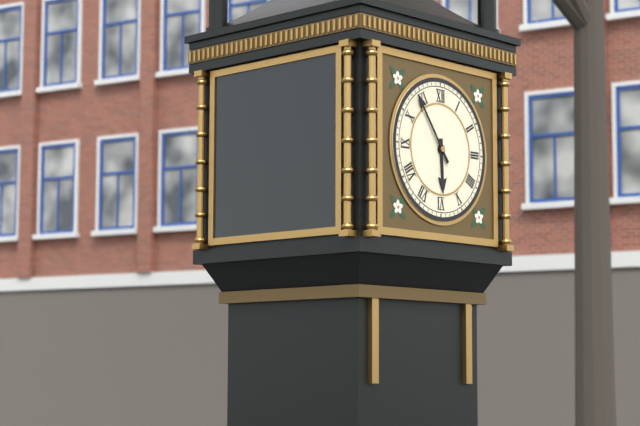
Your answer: 5.54
